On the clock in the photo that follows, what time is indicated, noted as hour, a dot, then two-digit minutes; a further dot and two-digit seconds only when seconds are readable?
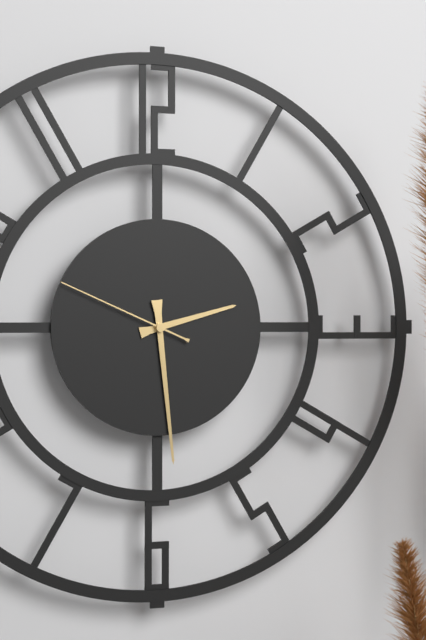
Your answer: 2.29.49
